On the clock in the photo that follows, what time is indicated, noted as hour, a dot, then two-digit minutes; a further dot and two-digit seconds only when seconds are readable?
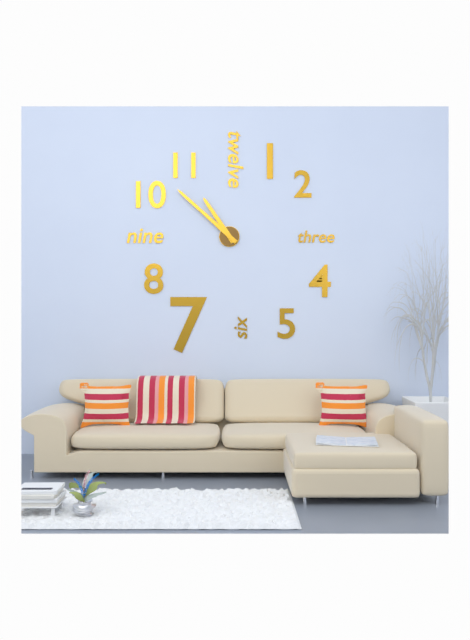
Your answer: 10.52
